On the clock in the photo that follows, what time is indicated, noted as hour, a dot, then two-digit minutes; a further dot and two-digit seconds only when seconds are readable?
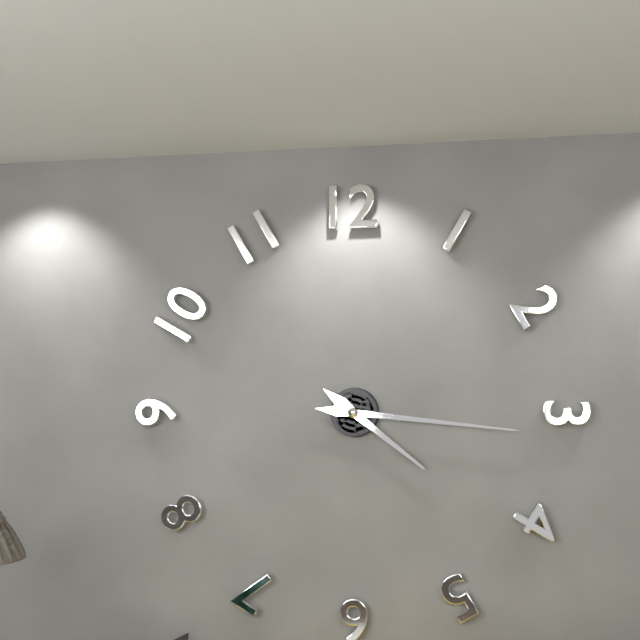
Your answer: 4.16
